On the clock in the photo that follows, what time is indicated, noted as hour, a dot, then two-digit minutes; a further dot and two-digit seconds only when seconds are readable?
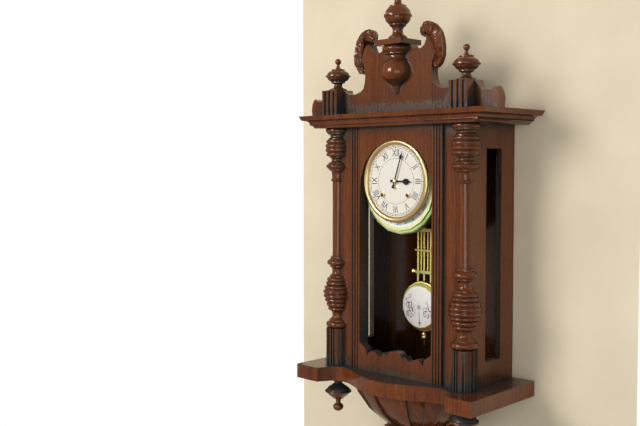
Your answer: 3.03
